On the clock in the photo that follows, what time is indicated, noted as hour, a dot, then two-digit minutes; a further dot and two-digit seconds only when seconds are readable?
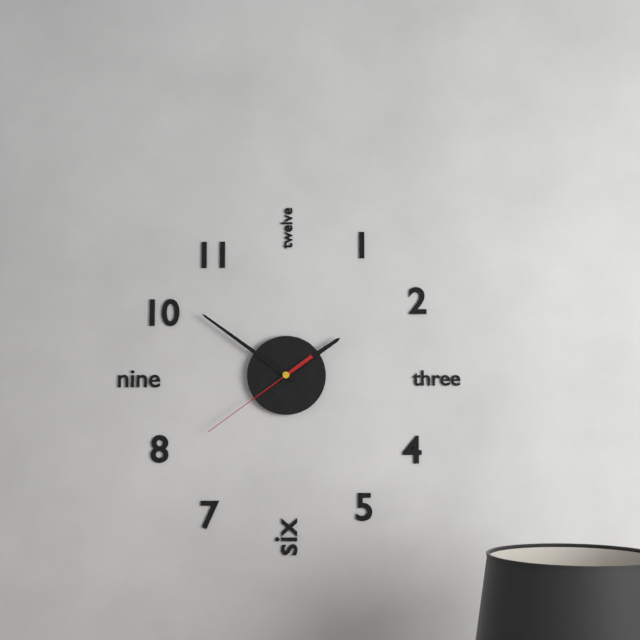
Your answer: 1.51.39
